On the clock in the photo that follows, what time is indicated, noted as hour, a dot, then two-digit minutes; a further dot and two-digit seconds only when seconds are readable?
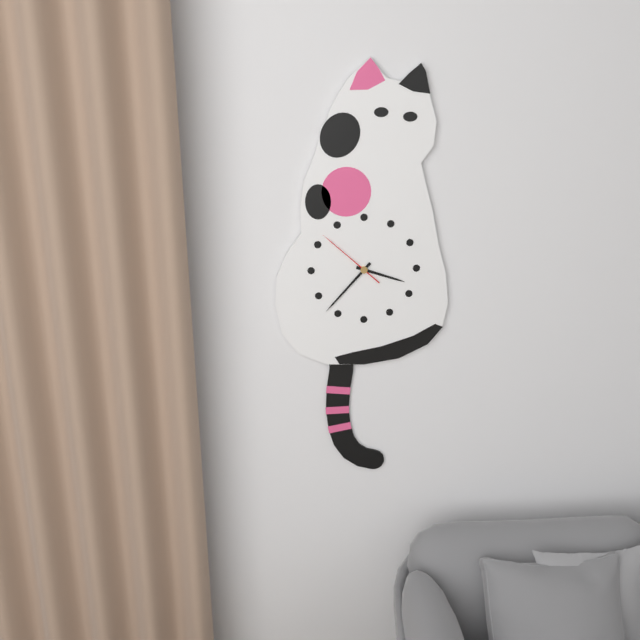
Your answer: 3.37.52
